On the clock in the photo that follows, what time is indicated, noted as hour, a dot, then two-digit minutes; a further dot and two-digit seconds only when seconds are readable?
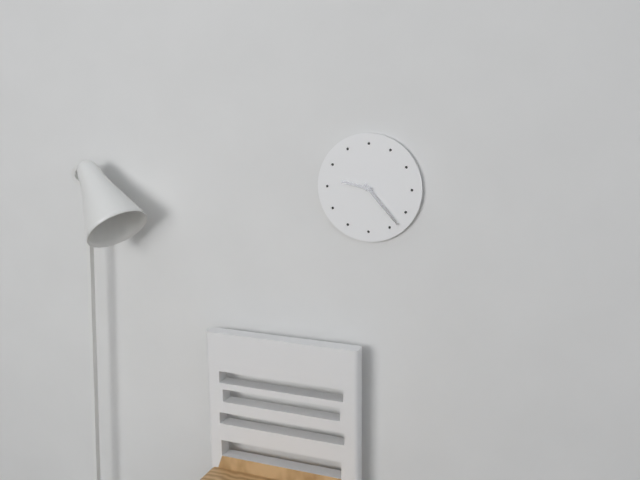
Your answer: 9.23
